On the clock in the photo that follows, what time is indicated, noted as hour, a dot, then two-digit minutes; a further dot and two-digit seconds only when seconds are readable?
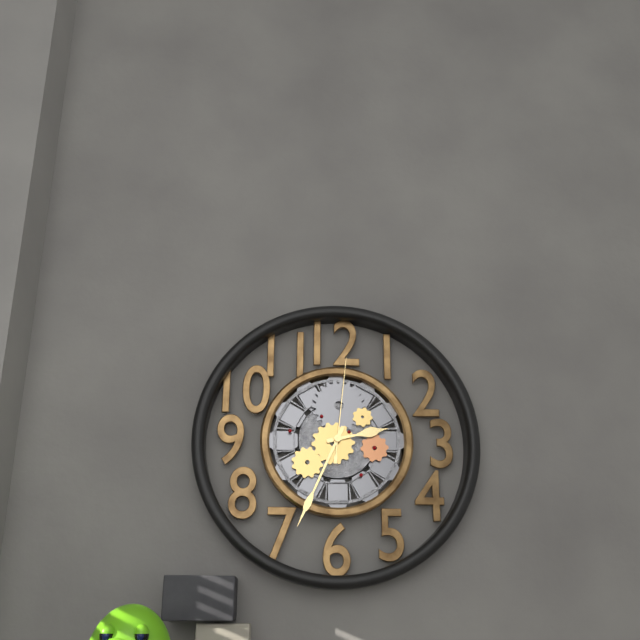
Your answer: 2.34.01
